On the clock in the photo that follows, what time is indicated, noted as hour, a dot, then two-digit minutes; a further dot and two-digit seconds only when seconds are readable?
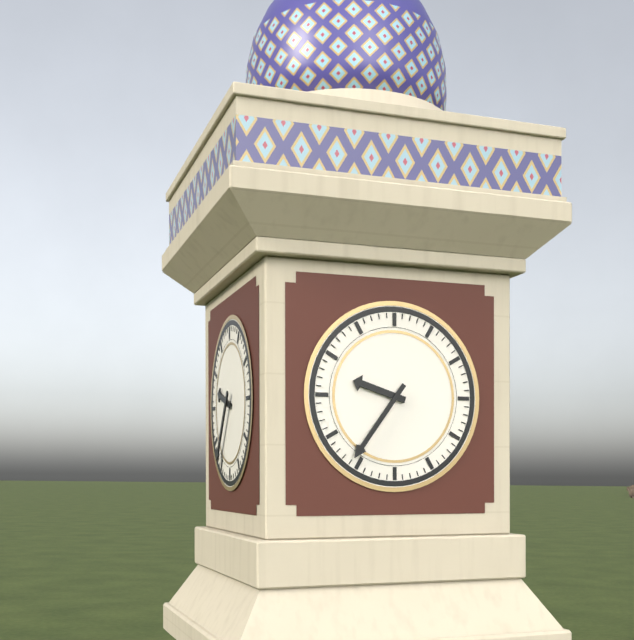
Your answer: 9.36
